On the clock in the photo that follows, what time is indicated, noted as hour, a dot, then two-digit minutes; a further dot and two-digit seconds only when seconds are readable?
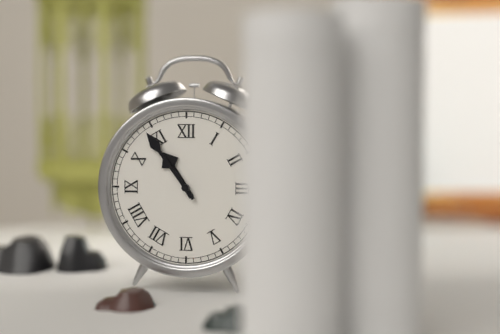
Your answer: 10.54
